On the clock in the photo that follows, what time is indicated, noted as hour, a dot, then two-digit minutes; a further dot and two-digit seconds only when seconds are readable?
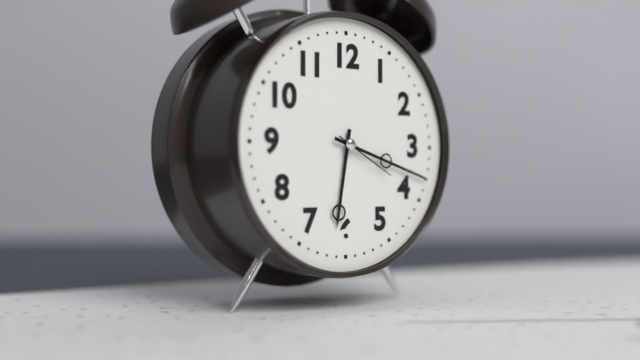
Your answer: 6.18.20
